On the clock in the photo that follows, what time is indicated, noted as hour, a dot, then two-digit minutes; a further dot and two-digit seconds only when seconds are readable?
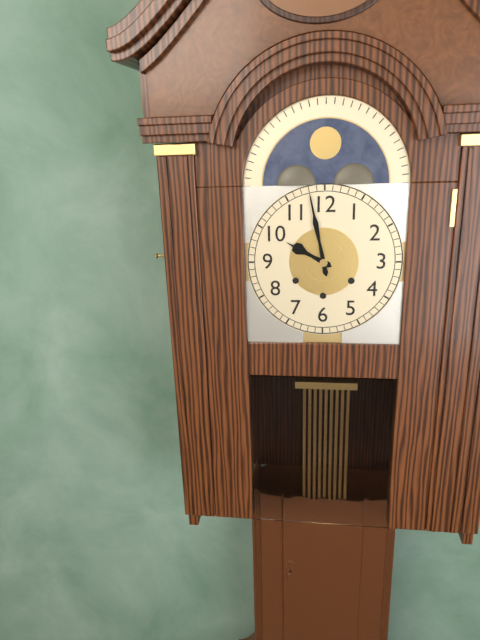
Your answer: 9.58
